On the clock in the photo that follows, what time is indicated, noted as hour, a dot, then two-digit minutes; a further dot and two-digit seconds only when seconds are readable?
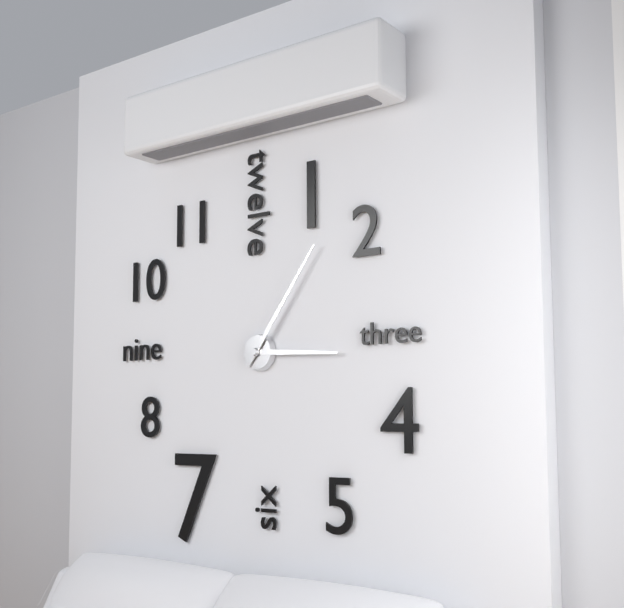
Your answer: 3.06
